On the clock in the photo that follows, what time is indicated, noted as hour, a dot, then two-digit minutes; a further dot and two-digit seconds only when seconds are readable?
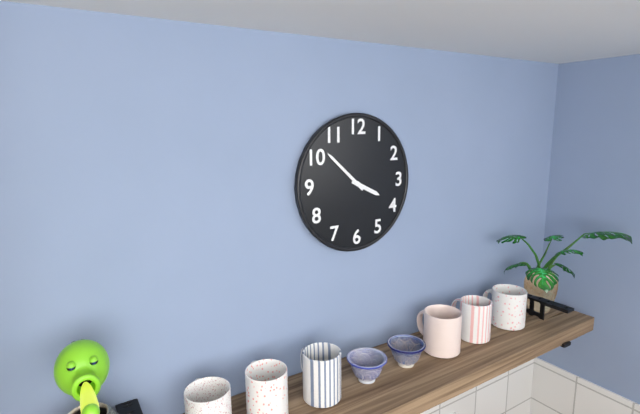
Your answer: 3.52
